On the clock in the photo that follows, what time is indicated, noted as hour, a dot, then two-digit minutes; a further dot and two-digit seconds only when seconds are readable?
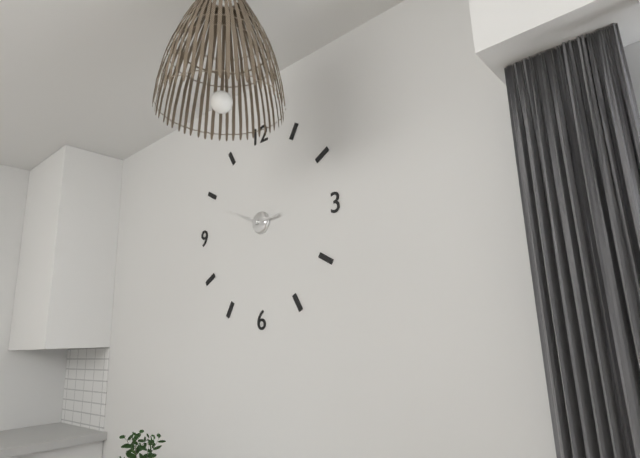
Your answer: 2.49
